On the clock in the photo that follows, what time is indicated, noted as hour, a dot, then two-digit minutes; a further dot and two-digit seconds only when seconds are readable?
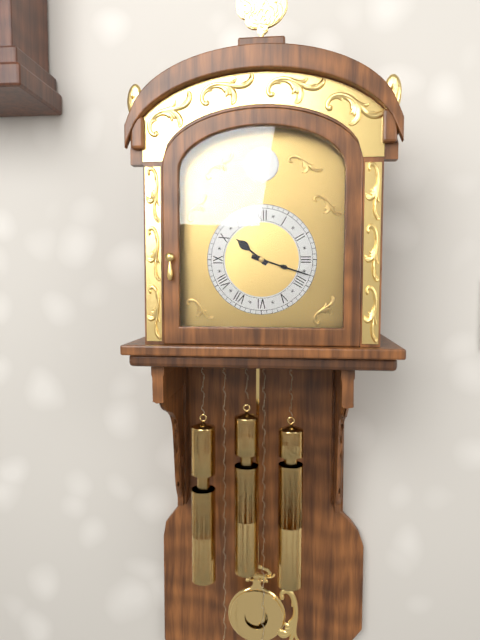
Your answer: 10.18
